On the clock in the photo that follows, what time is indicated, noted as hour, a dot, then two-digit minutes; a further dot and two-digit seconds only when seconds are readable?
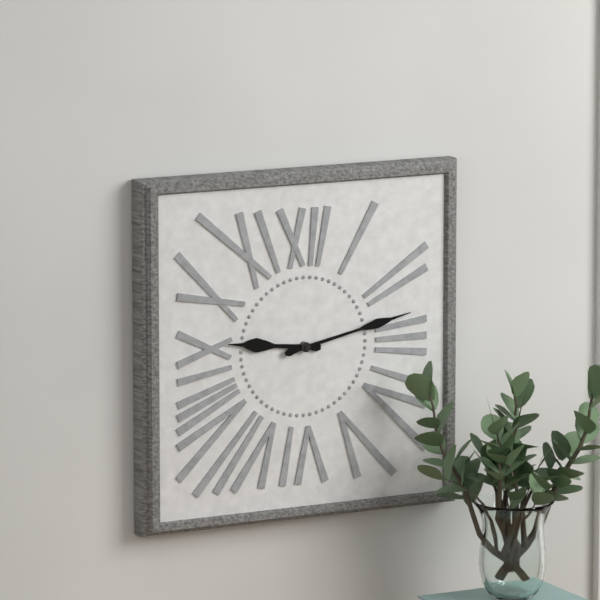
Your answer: 9.13
